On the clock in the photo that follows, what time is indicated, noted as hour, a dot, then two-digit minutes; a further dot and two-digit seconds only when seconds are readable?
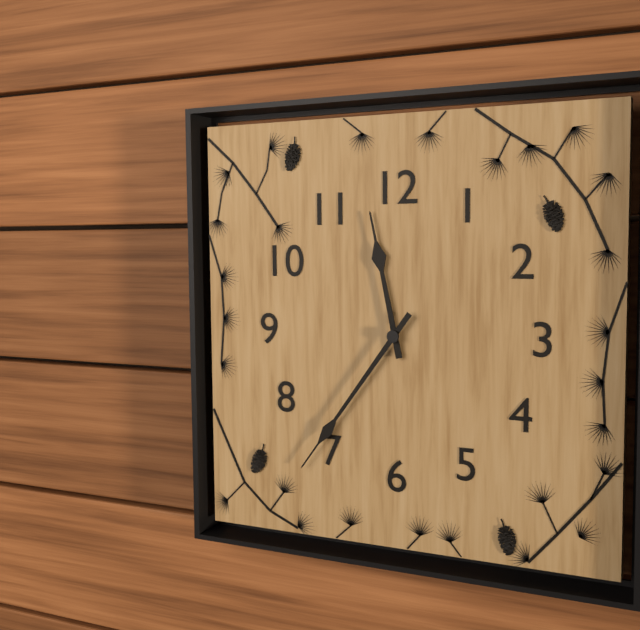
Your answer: 11.36
